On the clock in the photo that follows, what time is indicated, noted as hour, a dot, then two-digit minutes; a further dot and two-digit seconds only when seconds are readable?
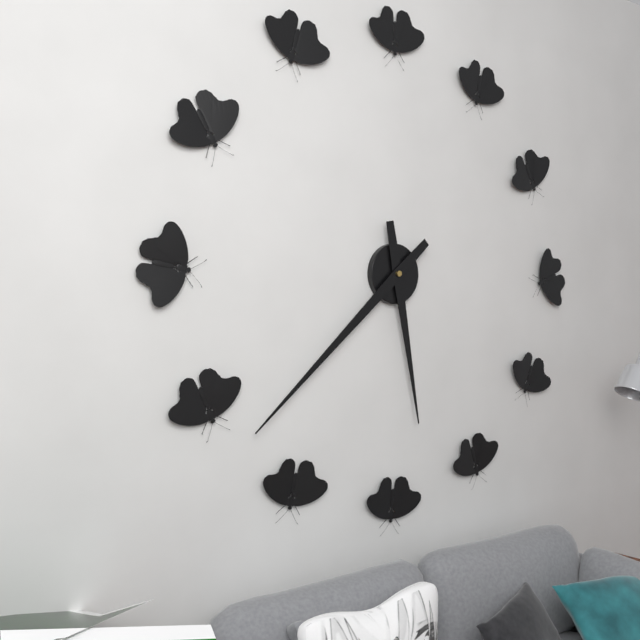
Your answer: 5.38
